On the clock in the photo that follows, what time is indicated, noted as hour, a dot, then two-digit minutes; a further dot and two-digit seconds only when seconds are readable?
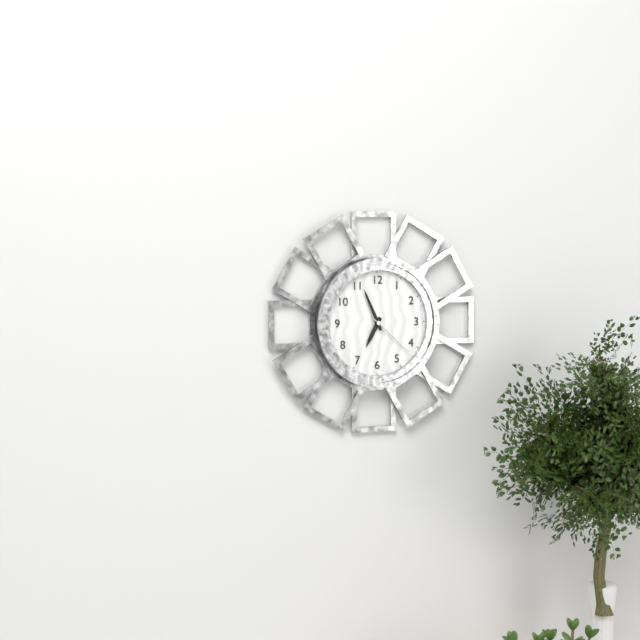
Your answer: 6.56.22
